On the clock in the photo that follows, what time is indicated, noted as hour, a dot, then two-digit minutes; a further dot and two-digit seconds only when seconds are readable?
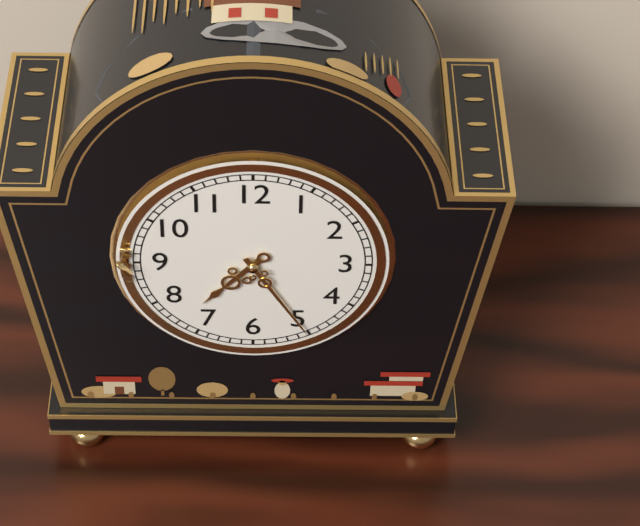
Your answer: 7.25
